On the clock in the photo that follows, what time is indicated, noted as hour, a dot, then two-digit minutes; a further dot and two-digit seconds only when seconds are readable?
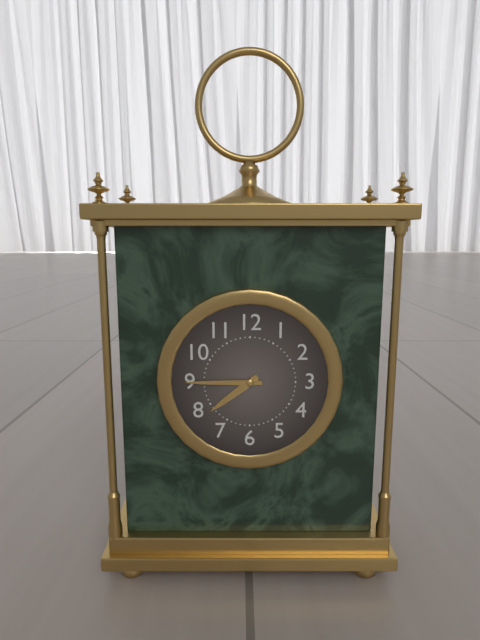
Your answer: 7.45
